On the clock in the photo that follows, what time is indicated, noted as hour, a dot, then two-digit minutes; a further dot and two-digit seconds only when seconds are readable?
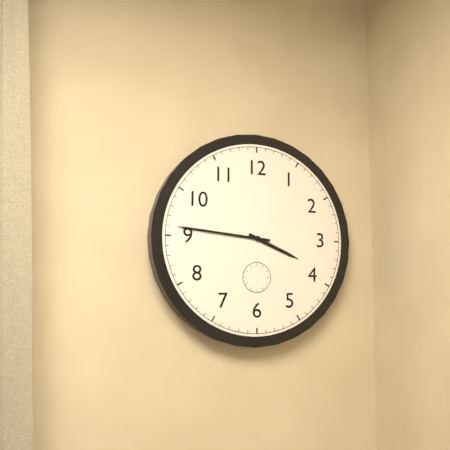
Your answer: 3.46
